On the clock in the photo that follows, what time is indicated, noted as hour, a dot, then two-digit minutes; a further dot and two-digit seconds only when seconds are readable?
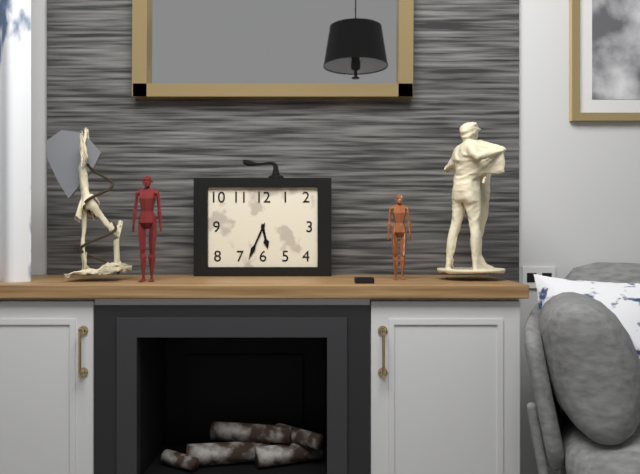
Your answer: 5.34
